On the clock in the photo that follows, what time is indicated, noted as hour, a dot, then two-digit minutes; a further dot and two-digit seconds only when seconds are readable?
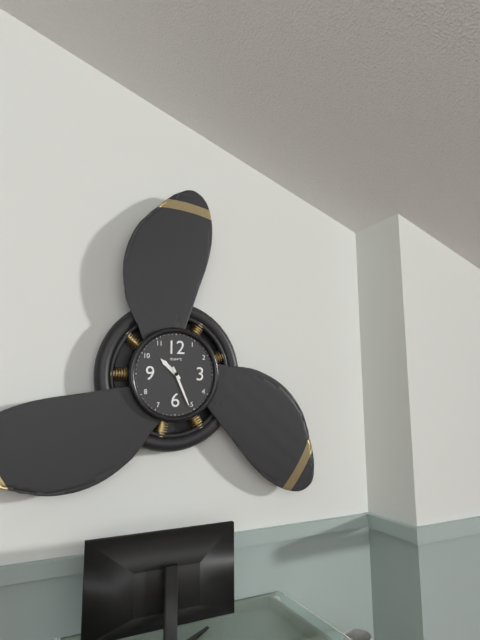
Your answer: 10.26
